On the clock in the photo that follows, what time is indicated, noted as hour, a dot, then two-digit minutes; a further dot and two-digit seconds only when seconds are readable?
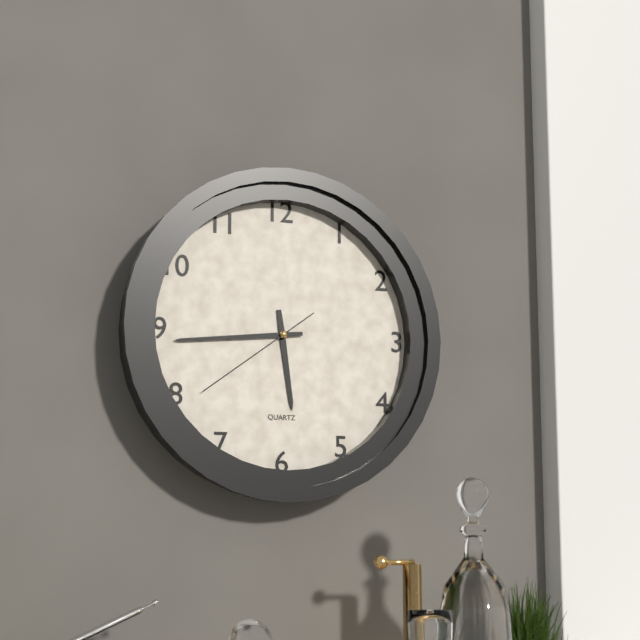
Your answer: 5.44.39
